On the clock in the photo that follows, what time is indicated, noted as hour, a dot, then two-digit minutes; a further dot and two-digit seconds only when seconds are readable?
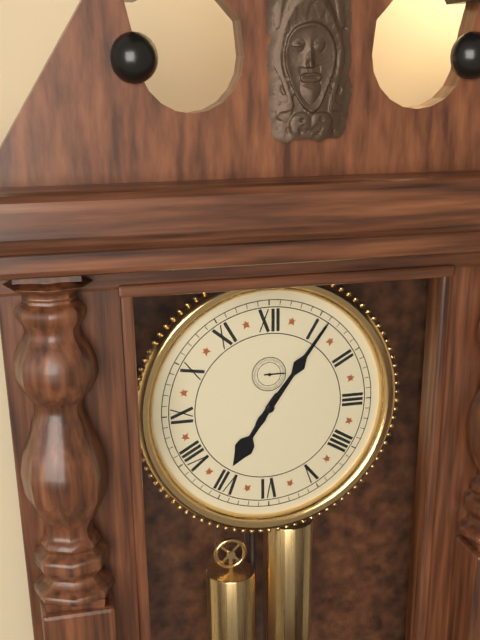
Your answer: 7.06
